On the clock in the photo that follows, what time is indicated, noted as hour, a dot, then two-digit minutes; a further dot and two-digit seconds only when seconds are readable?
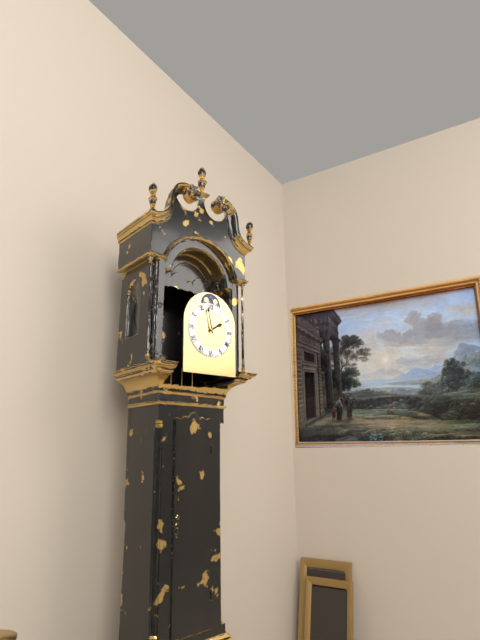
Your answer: 1.58
